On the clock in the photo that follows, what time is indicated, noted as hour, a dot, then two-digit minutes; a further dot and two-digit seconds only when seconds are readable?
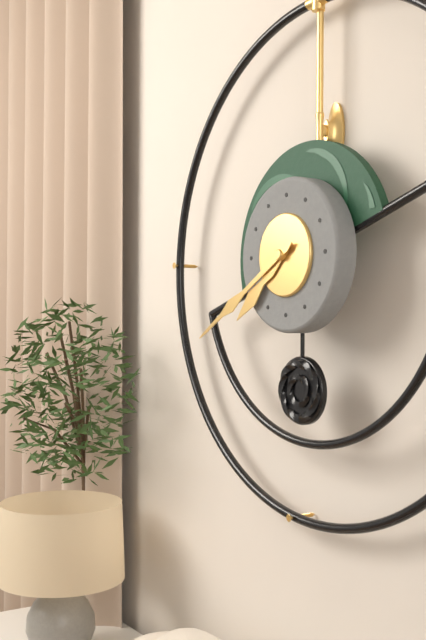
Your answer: 7.40
